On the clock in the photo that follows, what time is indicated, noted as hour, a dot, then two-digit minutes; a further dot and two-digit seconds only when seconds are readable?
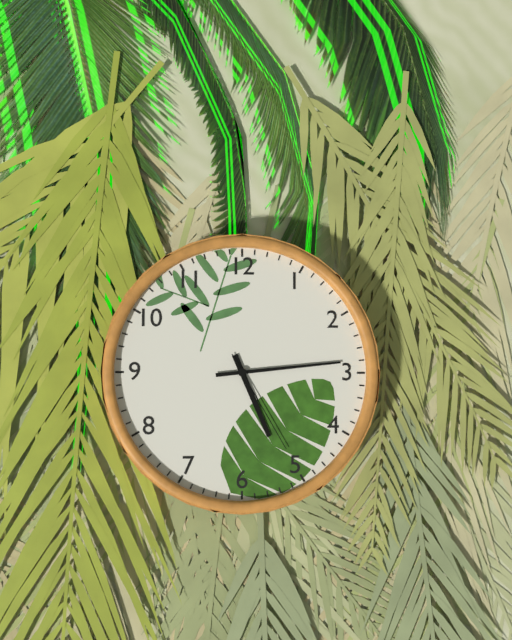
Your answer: 5.14.25
